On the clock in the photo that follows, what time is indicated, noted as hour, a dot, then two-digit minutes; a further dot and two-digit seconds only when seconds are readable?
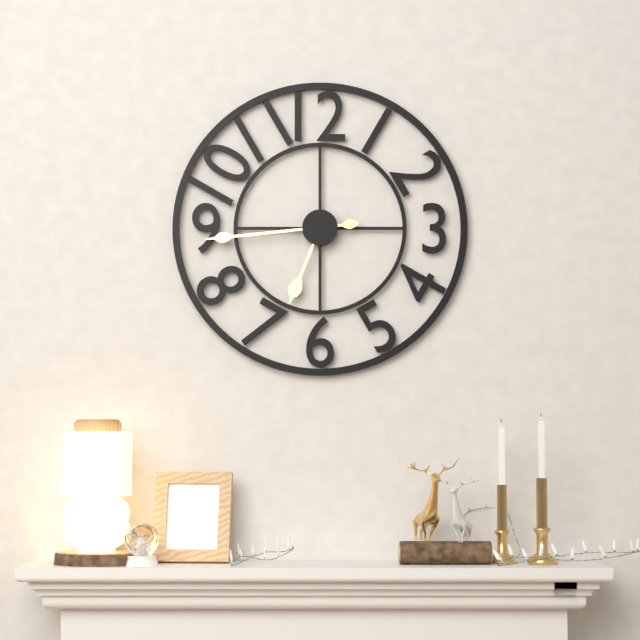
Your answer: 6.44
